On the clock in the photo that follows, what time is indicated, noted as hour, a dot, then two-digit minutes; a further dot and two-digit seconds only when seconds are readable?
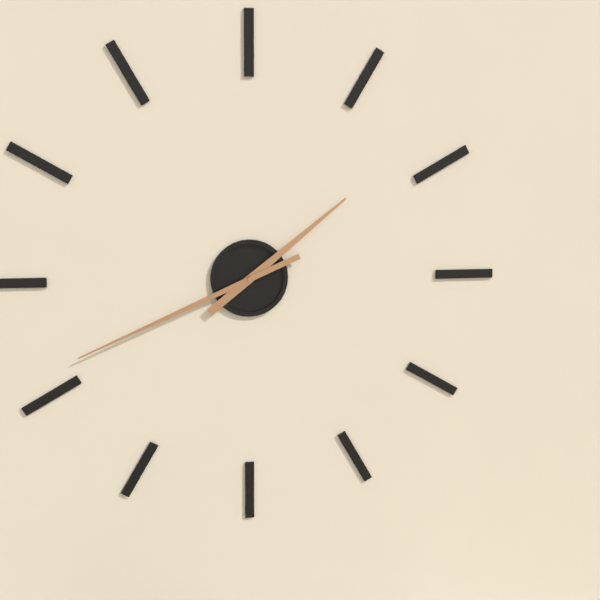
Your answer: 1.41
